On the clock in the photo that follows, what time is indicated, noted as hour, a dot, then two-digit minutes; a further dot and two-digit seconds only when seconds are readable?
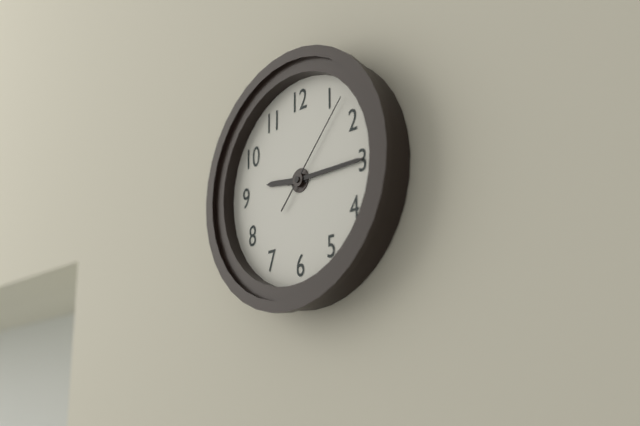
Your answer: 9.15.07
